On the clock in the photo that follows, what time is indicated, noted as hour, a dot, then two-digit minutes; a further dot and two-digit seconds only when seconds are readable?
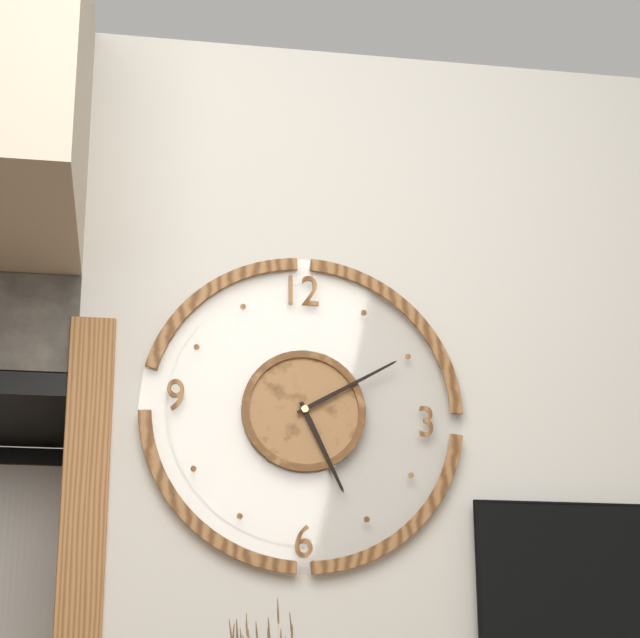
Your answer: 5.10
